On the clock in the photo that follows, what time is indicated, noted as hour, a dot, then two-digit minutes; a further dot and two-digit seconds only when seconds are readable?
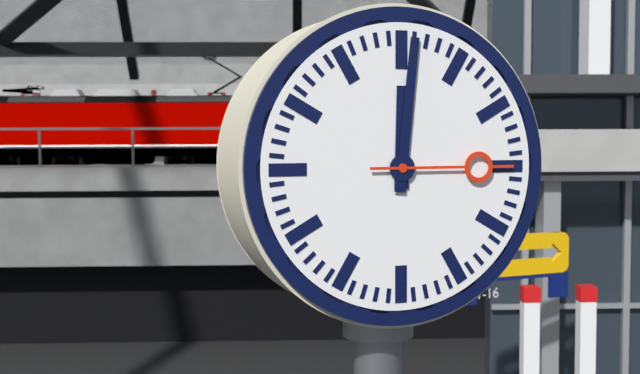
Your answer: 12.01.15
